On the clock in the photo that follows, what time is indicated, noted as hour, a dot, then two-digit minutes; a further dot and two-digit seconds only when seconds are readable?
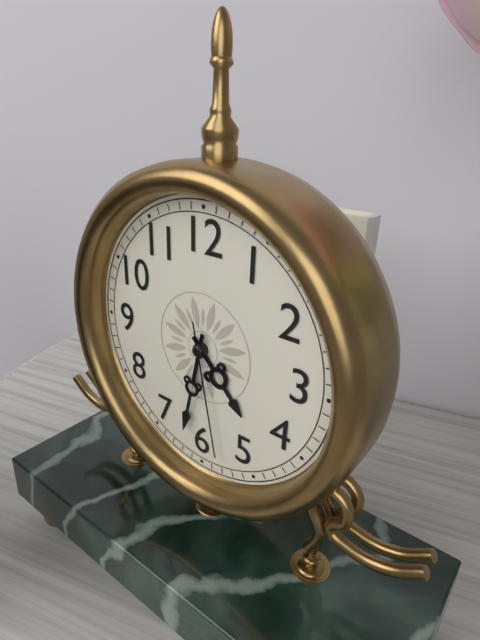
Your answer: 4.32.28
